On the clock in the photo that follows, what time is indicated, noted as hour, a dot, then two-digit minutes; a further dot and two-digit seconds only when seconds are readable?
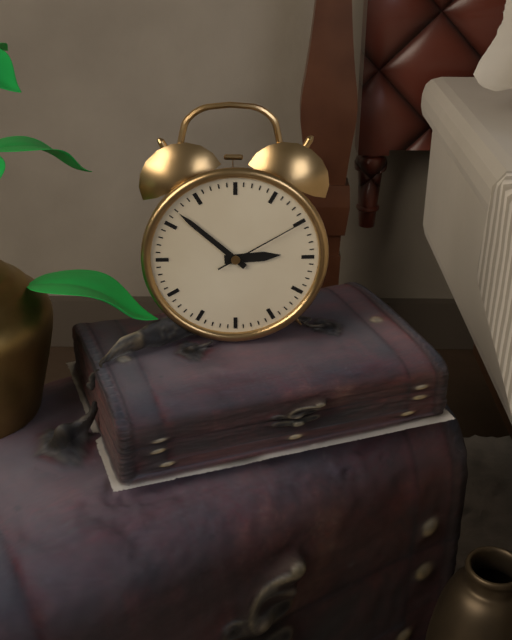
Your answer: 2.52.10
